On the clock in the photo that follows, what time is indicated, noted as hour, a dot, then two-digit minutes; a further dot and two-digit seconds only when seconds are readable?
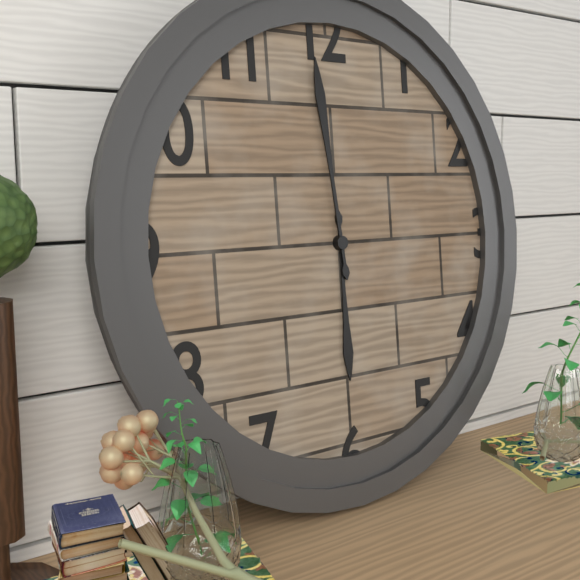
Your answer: 5.59
